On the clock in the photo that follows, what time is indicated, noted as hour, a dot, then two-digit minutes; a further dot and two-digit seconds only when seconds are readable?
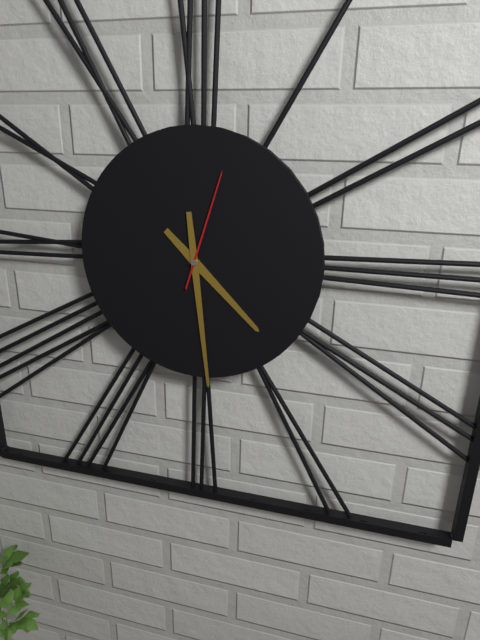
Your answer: 4.29.03
